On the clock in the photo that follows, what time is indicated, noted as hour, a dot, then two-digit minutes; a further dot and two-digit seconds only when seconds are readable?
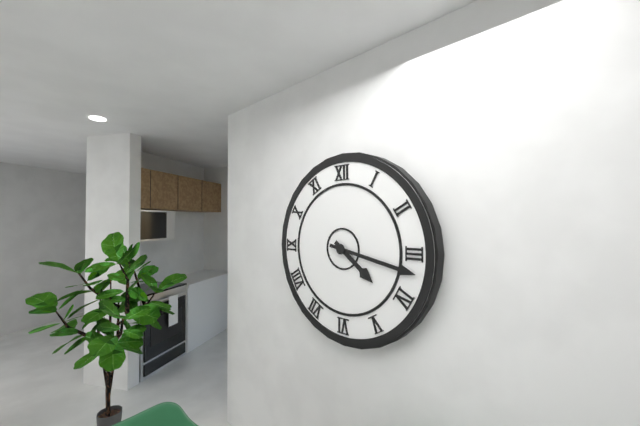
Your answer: 4.17
